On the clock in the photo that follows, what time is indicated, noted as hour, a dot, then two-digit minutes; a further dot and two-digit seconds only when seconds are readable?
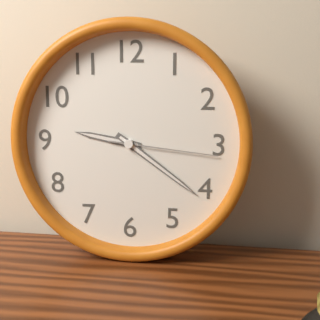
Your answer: 9.21.16
